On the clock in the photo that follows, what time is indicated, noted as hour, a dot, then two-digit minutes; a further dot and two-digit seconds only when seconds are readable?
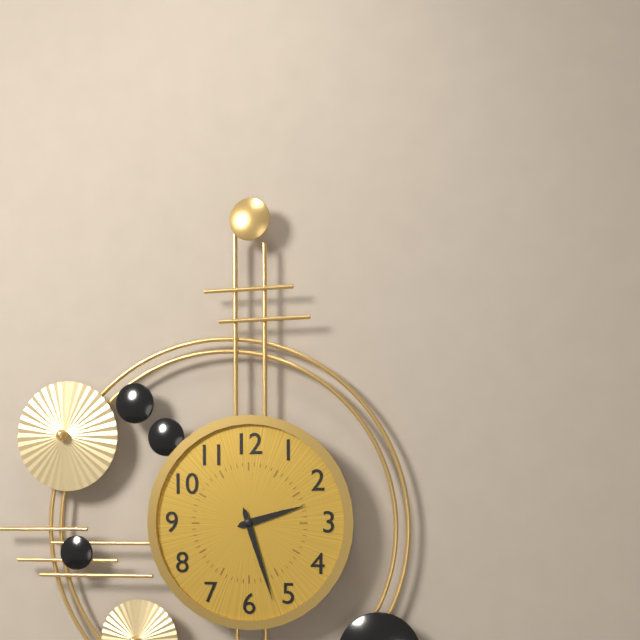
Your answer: 2.27
